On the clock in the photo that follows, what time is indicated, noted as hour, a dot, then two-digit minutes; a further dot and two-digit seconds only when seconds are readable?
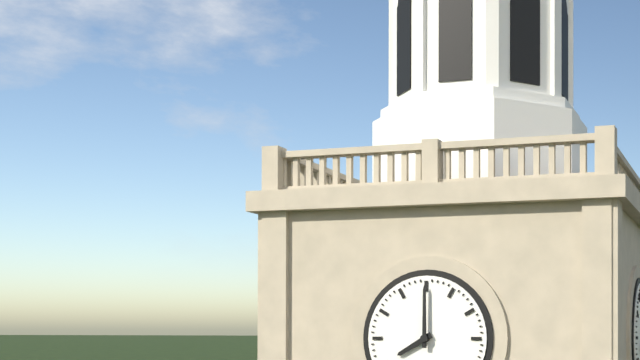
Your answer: 8.00
